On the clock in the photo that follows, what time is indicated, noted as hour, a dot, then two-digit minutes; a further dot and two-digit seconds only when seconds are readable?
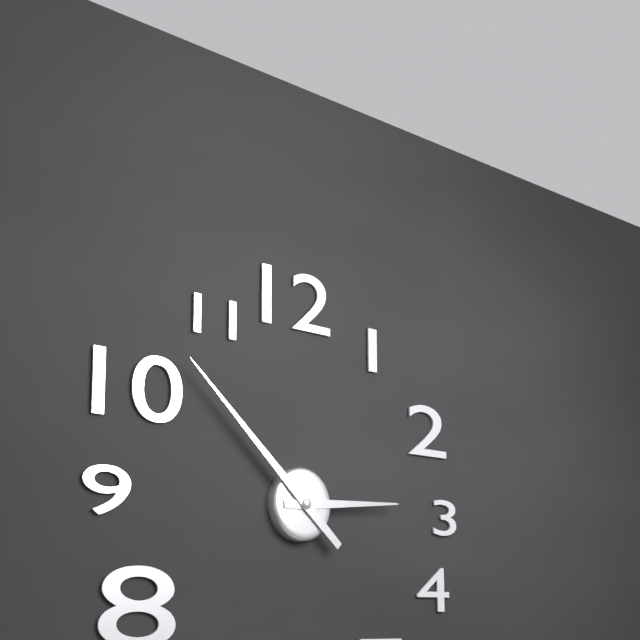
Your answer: 2.52
